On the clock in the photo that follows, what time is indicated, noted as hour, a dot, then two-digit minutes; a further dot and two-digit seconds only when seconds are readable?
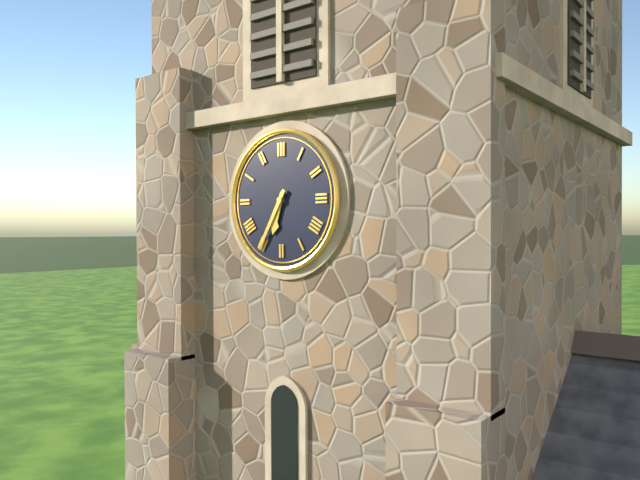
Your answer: 6.35
